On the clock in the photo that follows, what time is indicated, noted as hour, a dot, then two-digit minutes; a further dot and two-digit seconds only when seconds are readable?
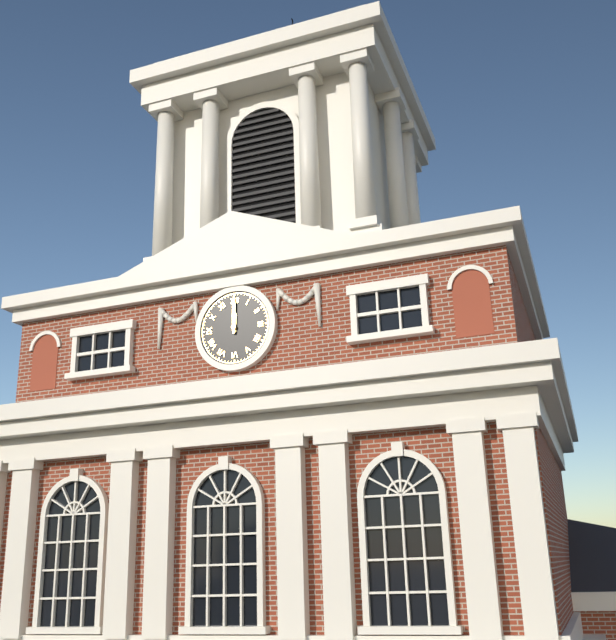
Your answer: 12.00
